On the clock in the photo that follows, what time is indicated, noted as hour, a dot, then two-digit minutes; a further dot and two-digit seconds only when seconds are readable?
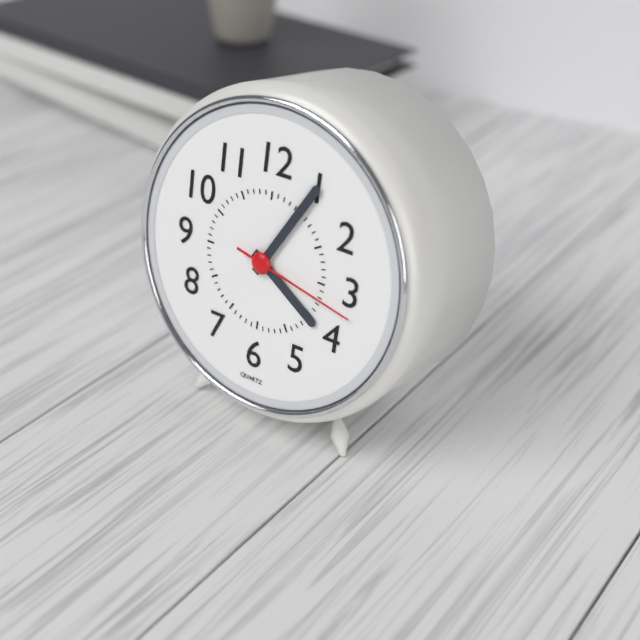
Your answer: 4.05.17
